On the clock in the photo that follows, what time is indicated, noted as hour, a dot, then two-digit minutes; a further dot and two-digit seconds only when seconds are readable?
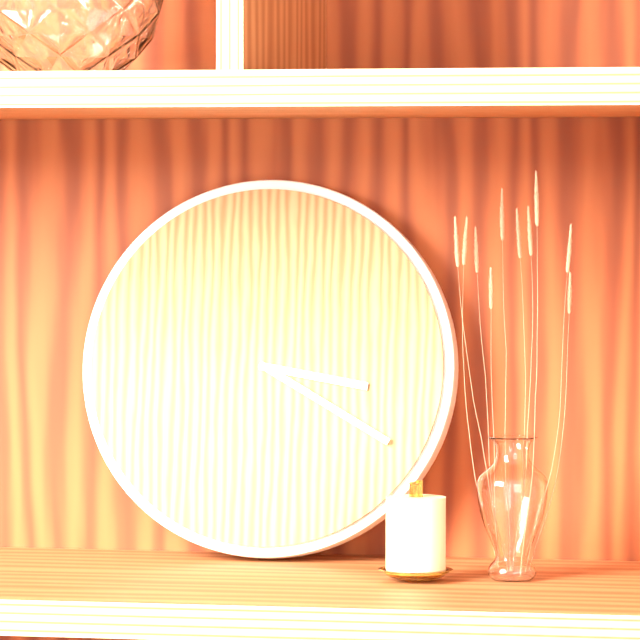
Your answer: 3.20
